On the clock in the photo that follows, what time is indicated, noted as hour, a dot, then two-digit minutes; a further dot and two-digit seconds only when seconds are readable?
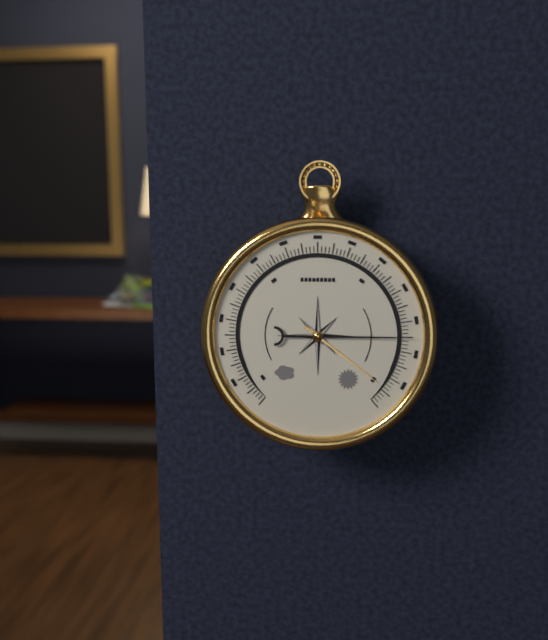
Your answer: 4.15
